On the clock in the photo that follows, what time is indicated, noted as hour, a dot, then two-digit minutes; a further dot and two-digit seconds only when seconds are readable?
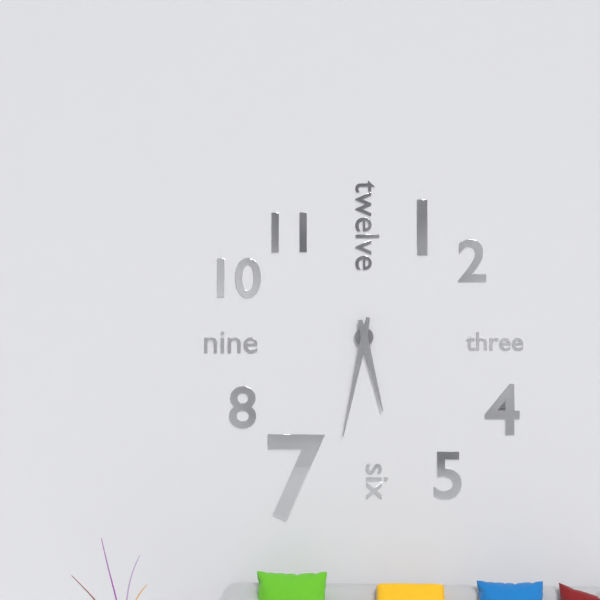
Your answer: 5.32
